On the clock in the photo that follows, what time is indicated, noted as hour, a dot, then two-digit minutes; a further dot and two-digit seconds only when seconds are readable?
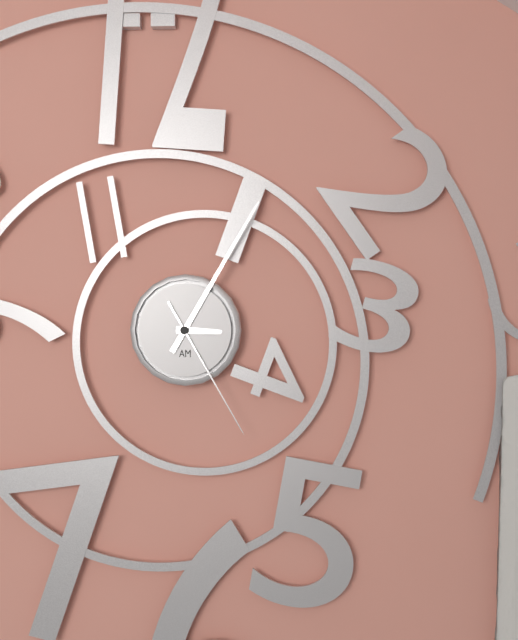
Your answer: 3.05.25
